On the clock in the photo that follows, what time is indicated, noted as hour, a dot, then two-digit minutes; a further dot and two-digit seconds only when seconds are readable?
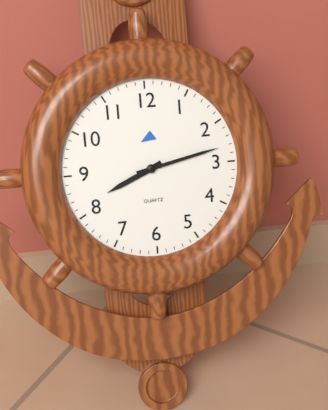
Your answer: 8.13
